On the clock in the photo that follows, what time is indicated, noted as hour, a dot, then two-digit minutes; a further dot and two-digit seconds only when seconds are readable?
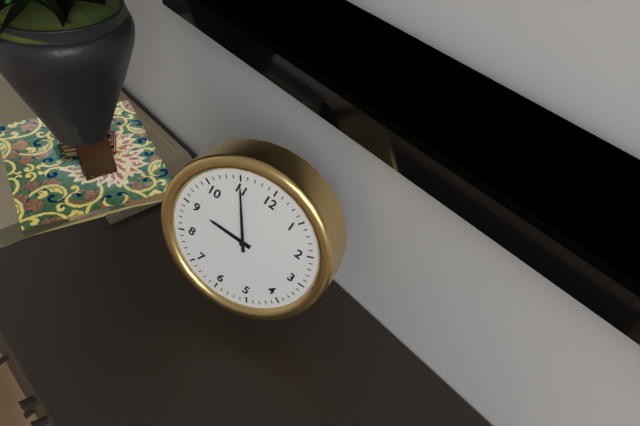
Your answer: 8.55
